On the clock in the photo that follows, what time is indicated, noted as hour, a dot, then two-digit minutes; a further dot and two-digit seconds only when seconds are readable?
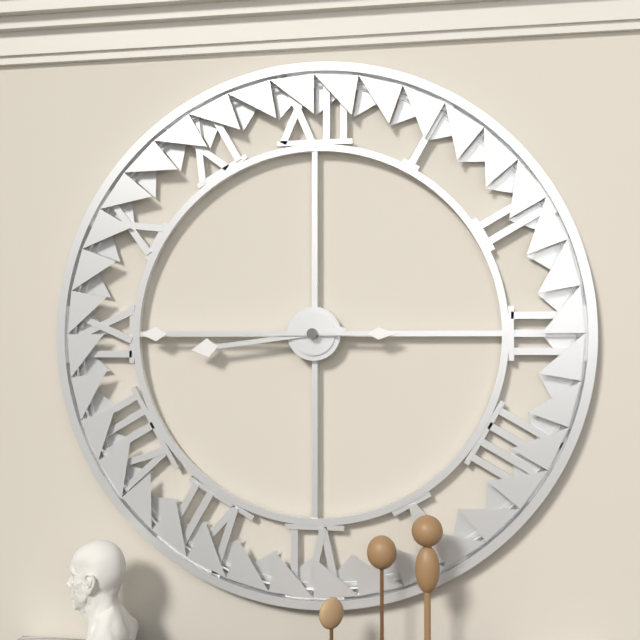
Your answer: 8.45
